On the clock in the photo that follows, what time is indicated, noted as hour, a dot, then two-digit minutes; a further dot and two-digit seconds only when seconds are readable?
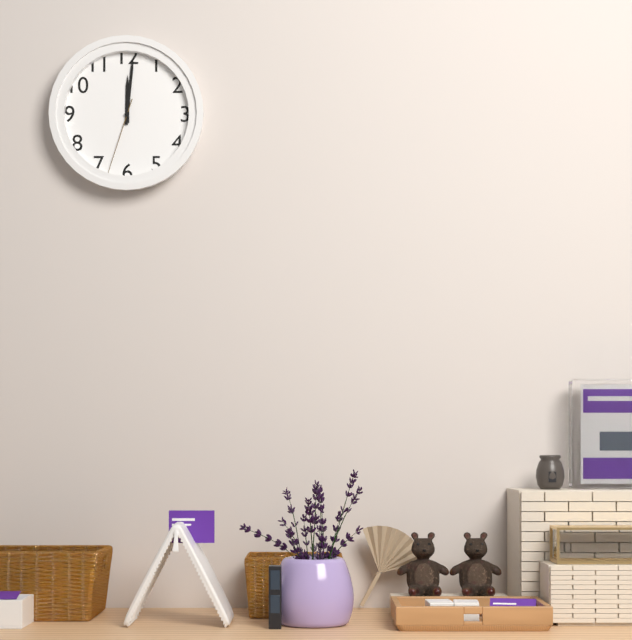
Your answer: 12.01.33
